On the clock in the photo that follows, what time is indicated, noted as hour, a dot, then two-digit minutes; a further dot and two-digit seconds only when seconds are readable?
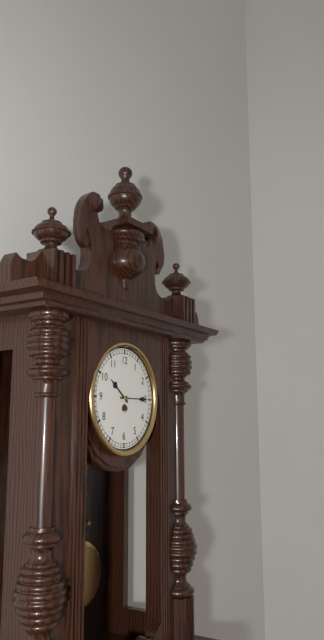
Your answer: 10.15
